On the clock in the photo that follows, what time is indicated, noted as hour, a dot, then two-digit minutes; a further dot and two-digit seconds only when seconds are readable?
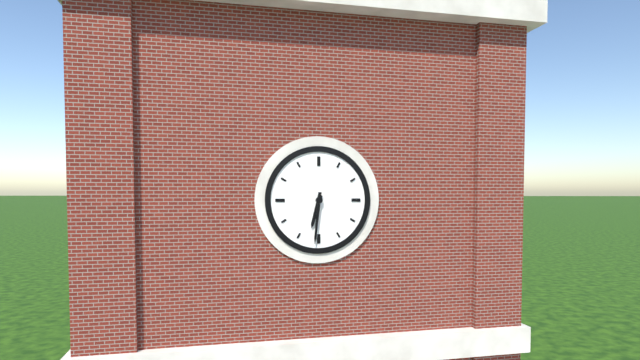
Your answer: 6.31
